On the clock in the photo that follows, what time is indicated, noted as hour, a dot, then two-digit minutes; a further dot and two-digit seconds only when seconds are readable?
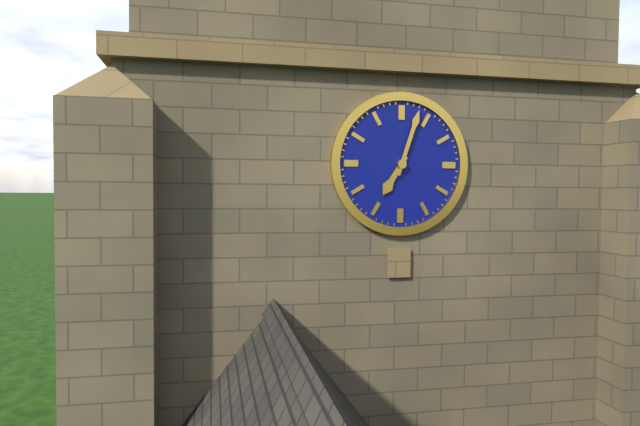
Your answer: 7.03
